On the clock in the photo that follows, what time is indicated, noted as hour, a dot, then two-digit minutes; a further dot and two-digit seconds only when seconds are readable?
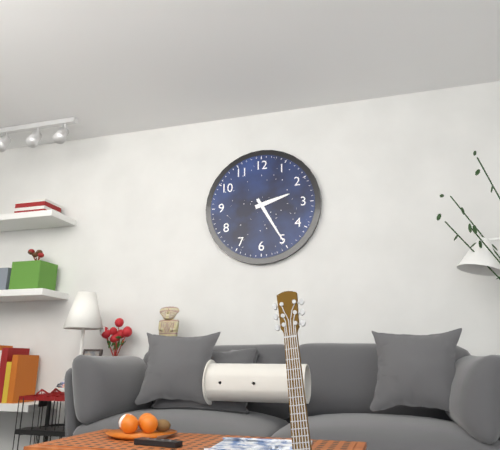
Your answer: 2.25
